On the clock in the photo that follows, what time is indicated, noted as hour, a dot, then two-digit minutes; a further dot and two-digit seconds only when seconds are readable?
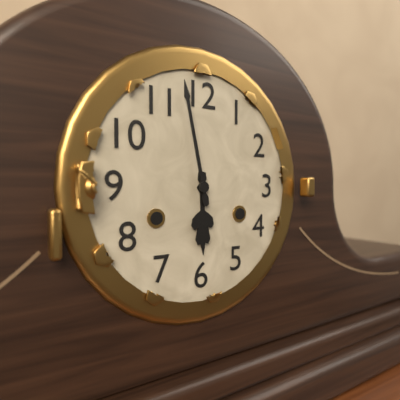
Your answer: 5.58
